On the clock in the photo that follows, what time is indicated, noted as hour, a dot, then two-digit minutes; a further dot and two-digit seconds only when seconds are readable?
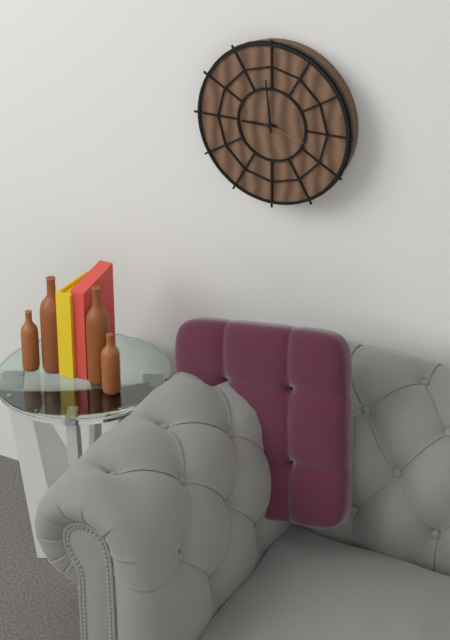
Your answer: 8.59.18
